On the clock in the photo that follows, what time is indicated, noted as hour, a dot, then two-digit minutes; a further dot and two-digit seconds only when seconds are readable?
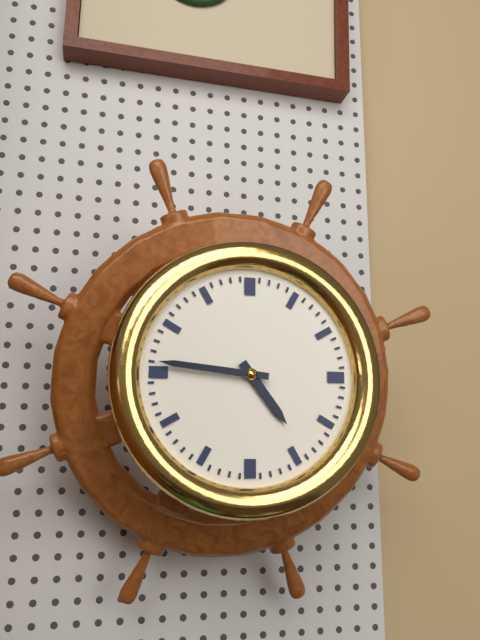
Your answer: 4.46
